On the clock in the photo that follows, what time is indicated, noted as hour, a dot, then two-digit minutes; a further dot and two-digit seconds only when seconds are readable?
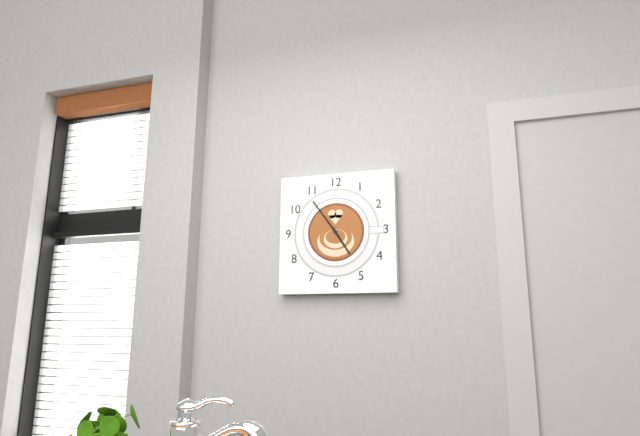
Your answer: 4.54
